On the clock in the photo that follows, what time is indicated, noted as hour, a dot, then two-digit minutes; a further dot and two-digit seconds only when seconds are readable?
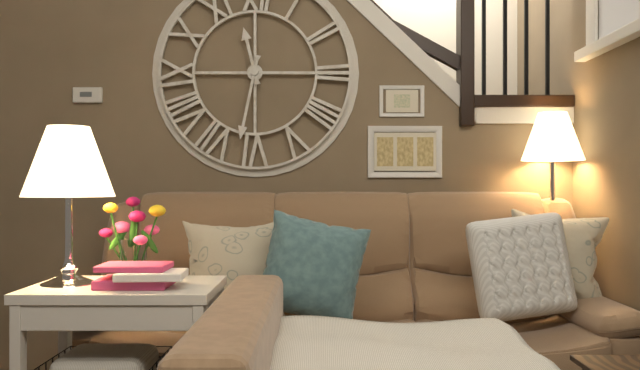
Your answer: 11.32
